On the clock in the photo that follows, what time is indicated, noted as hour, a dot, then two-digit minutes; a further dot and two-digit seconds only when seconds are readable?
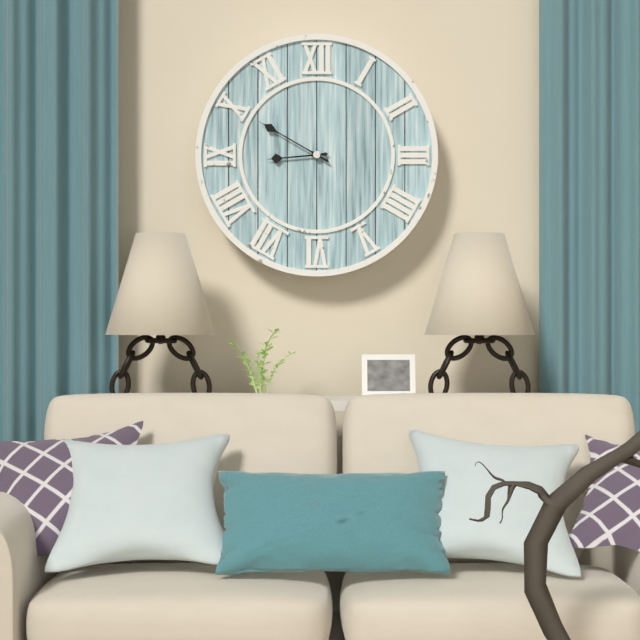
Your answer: 8.50
